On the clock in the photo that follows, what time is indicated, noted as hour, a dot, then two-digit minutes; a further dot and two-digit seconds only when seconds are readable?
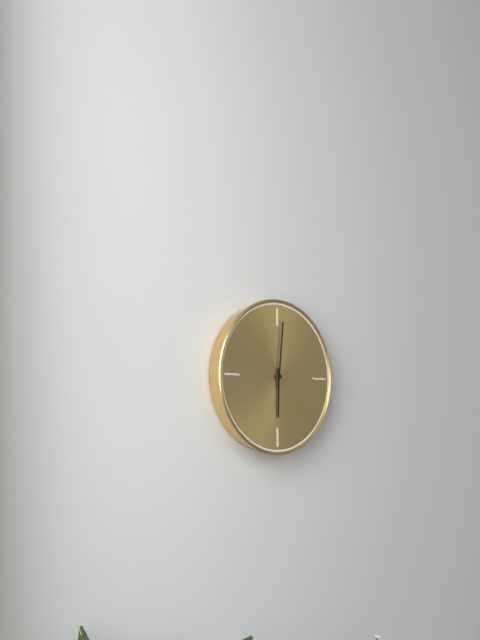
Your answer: 6.01
